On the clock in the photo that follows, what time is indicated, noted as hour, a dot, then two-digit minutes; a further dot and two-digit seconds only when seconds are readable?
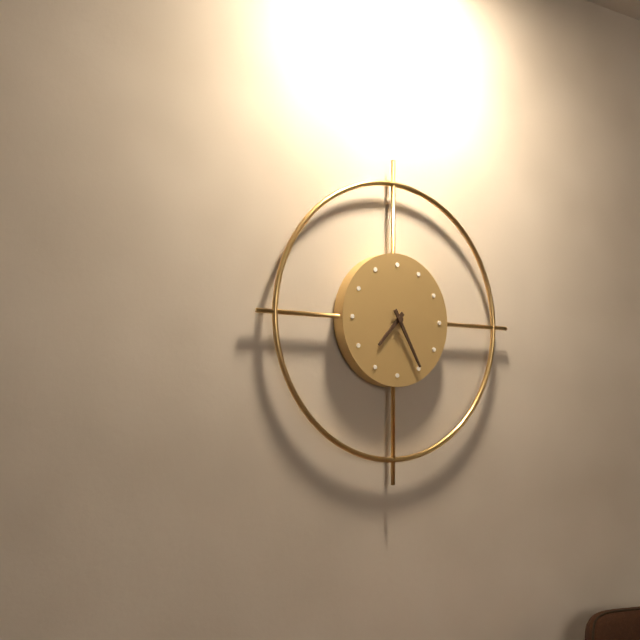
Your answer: 7.25
